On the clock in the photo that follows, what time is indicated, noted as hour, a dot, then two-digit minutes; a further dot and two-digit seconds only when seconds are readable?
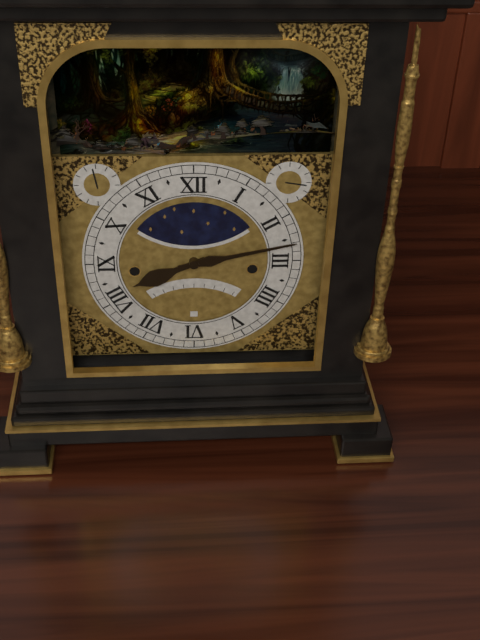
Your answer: 8.13
